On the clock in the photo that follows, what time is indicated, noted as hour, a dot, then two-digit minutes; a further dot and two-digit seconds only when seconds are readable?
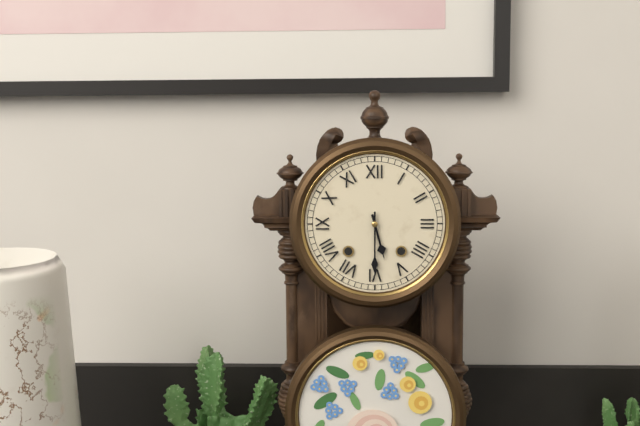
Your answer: 5.30
